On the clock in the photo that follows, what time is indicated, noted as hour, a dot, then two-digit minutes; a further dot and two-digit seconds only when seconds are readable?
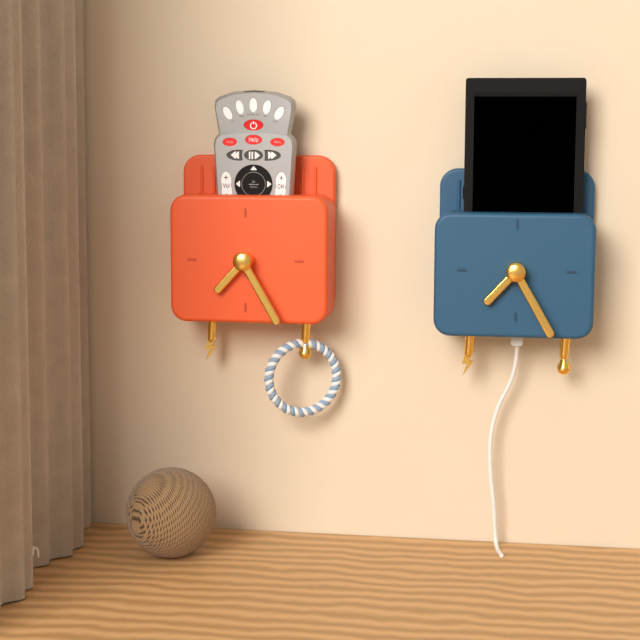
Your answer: 7.25
